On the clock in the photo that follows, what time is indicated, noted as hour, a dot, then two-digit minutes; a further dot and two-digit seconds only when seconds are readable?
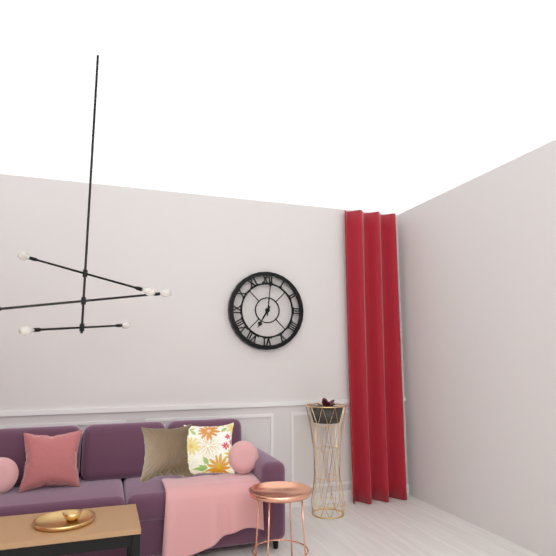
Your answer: 7.01
